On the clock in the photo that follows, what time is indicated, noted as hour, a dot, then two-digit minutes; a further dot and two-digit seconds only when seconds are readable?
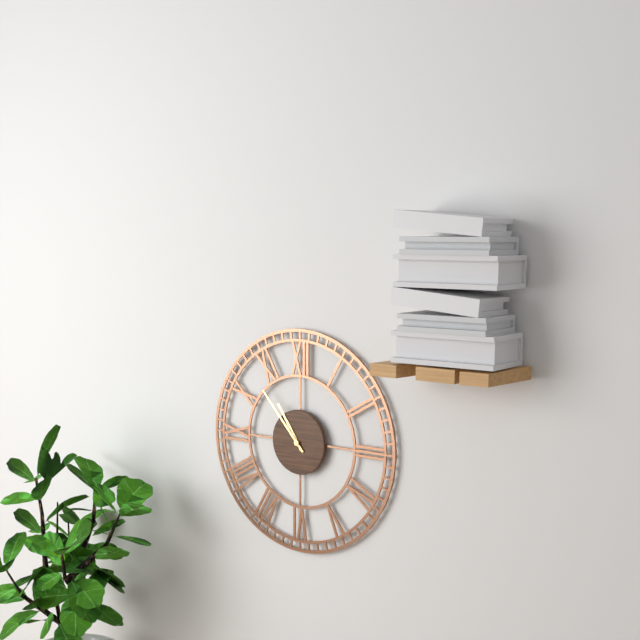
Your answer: 10.53
